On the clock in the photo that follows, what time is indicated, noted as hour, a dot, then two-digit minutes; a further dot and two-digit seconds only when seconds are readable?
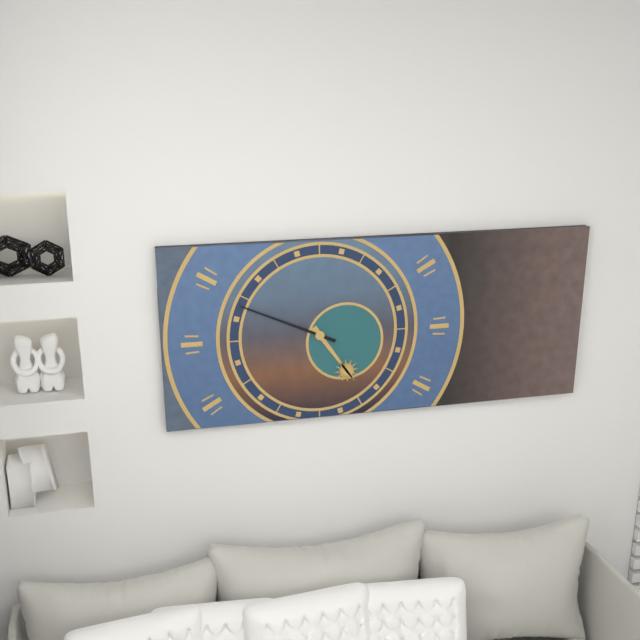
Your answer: 4.49
